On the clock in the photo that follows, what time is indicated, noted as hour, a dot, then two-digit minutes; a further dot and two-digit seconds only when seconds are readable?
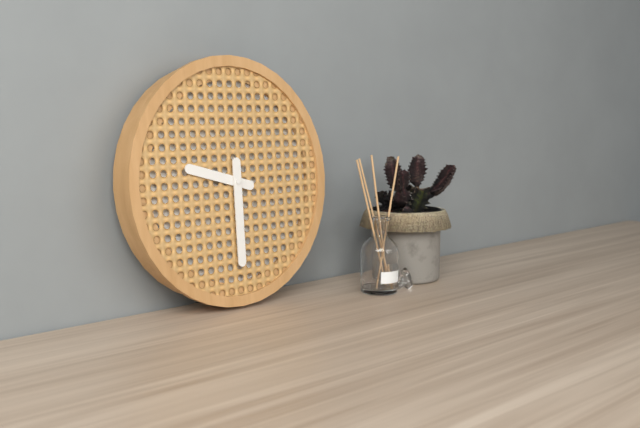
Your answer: 9.30
